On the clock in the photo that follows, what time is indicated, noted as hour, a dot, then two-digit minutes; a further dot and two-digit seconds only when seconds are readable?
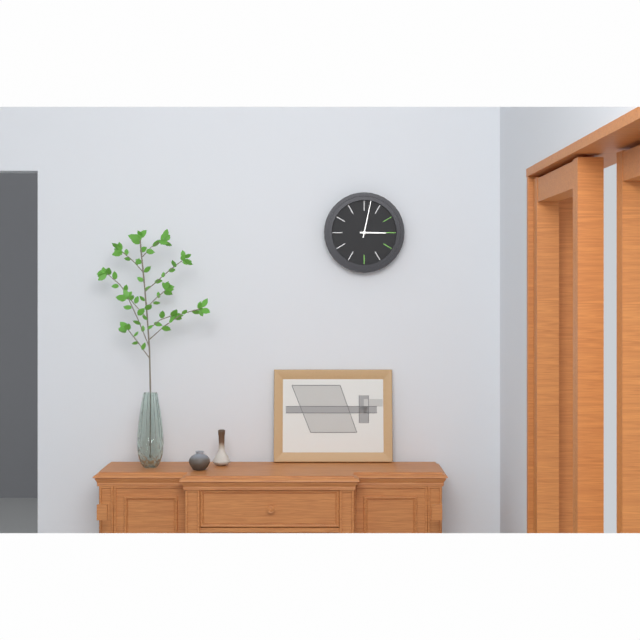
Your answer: 3.02
